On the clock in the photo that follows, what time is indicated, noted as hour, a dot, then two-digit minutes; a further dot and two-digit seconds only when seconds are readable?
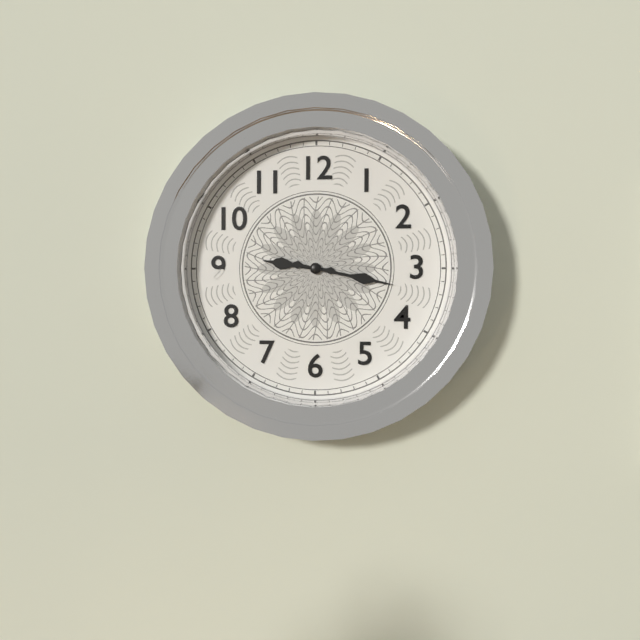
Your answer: 9.17
